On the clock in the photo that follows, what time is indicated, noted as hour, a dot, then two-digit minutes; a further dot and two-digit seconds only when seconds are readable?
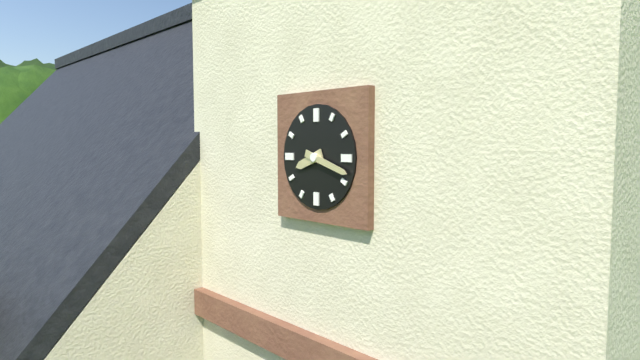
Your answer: 8.18
